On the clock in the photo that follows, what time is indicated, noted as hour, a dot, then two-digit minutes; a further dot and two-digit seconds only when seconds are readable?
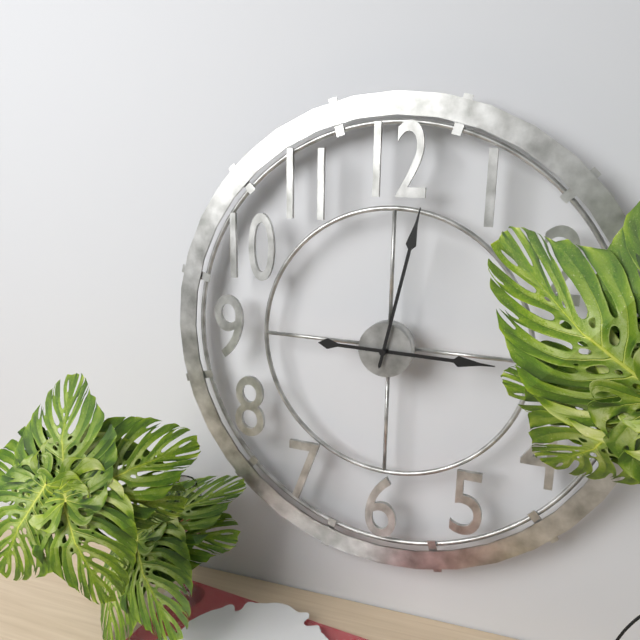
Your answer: 3.02
